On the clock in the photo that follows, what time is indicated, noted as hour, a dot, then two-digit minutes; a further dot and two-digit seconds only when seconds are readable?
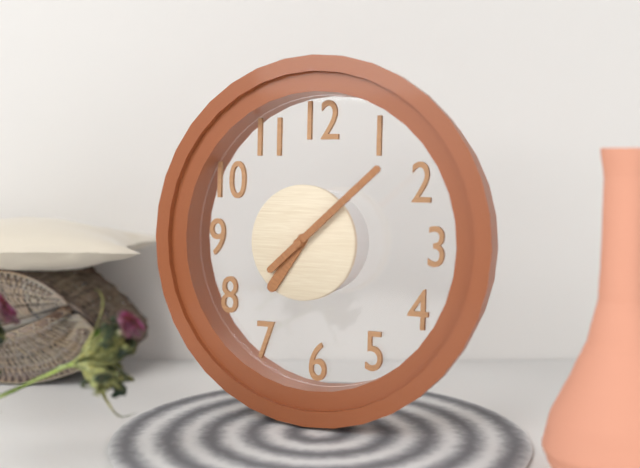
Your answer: 7.08
